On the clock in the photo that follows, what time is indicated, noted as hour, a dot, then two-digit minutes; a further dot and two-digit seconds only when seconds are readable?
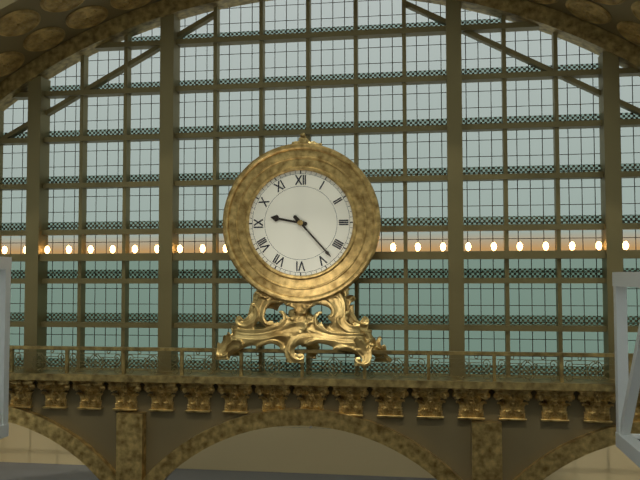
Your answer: 9.23
